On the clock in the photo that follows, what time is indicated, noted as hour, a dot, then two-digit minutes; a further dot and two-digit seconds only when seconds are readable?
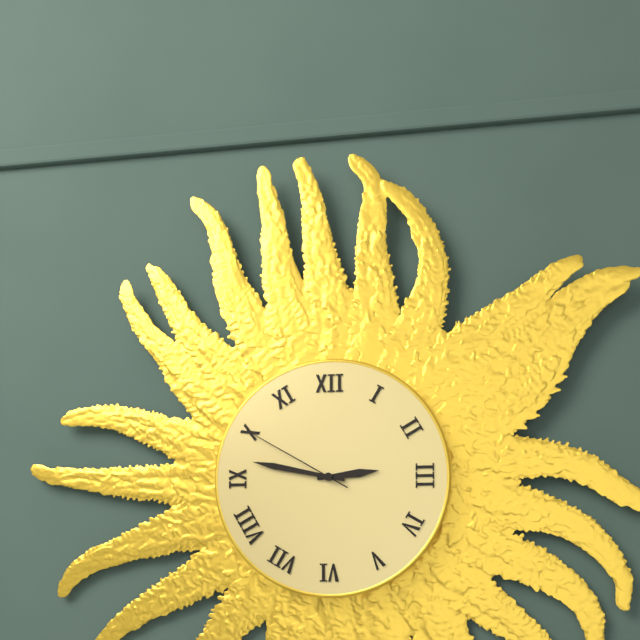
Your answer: 2.47.50
